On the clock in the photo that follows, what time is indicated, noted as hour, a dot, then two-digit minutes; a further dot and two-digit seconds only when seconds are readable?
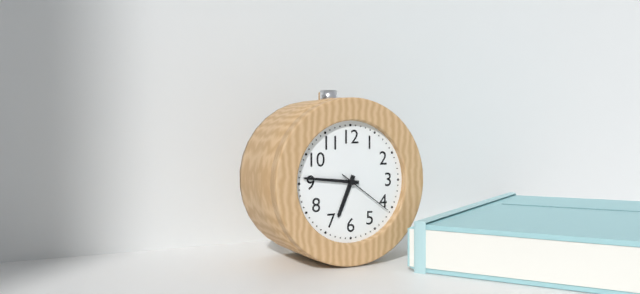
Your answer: 6.46.21
